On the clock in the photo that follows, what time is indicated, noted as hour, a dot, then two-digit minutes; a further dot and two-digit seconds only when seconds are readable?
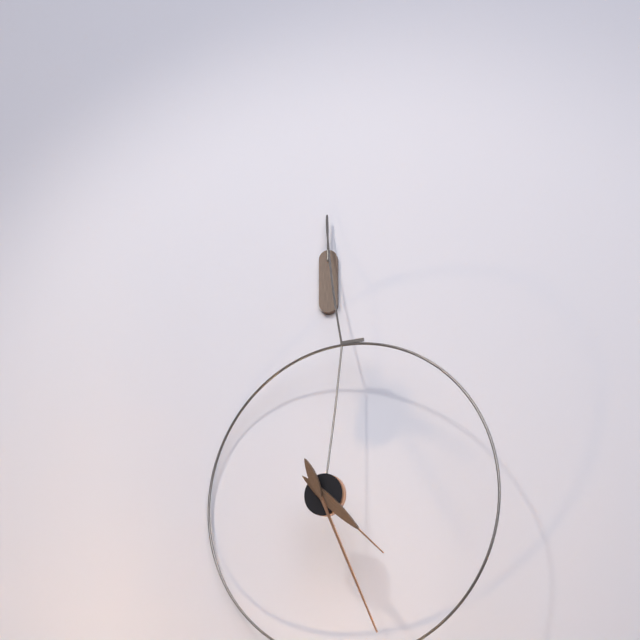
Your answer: 4.26
